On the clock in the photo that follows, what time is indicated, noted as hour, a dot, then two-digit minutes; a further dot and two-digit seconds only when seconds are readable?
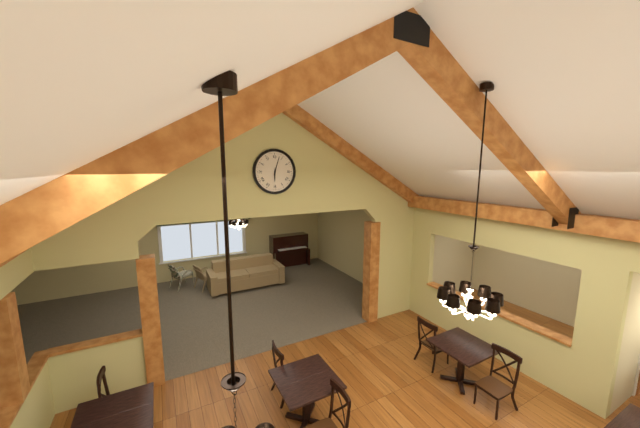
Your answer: 6.03
